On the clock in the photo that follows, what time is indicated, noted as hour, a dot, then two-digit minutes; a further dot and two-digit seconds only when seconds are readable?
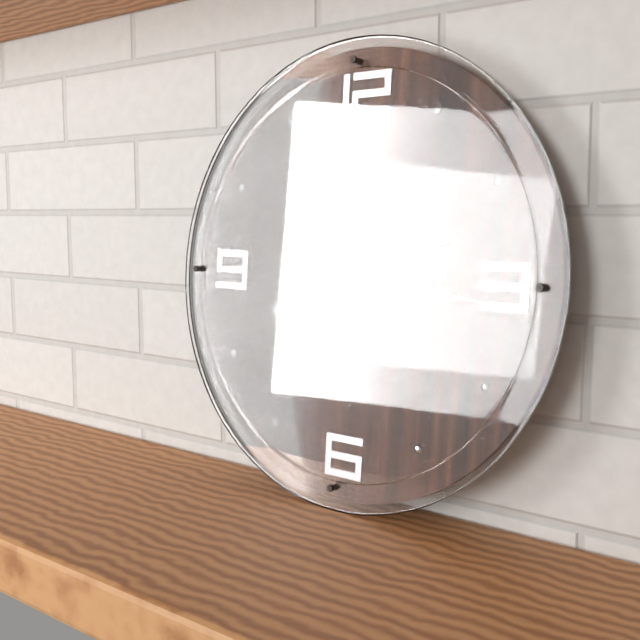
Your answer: 8.16.12
